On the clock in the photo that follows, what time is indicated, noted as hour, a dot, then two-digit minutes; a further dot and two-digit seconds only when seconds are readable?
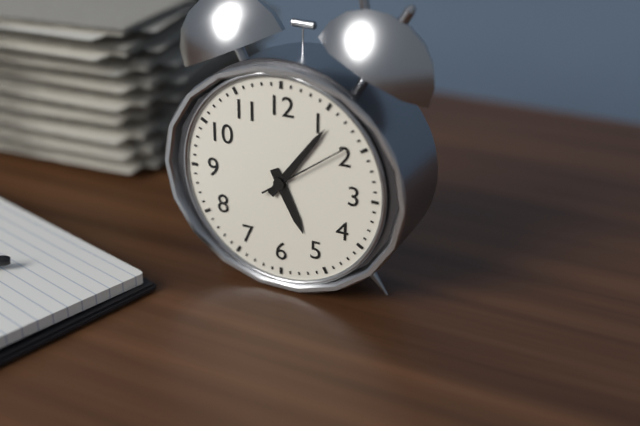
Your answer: 5.06.09
